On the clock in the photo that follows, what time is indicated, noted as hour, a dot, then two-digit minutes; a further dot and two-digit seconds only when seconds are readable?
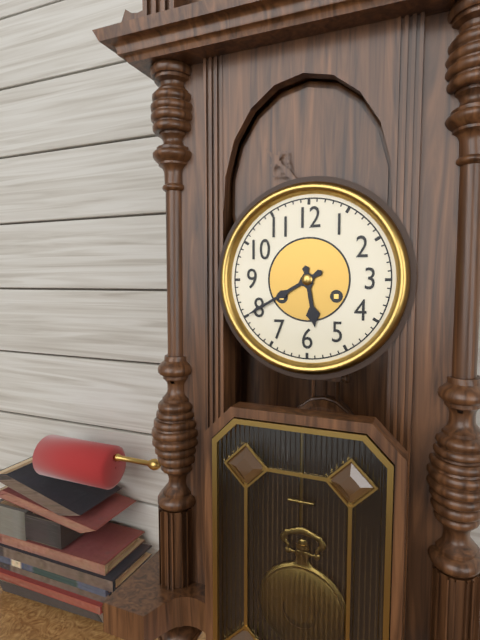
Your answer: 5.40
